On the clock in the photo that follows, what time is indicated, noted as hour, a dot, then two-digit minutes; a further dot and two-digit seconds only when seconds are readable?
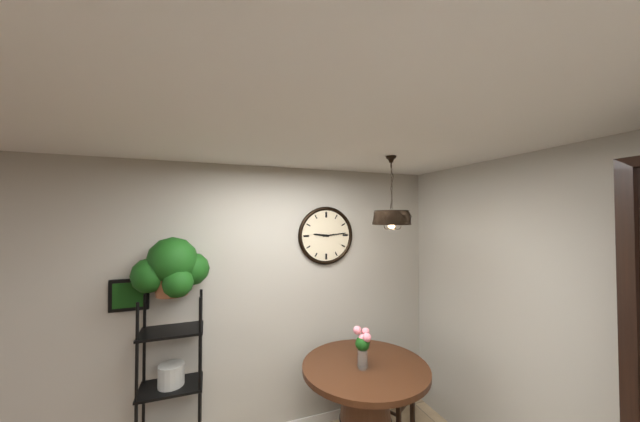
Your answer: 9.14
